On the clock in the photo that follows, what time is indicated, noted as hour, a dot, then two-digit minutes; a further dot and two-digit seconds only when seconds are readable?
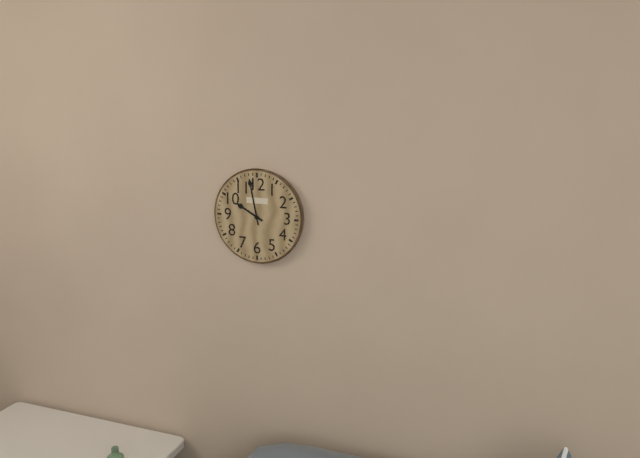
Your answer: 9.58
